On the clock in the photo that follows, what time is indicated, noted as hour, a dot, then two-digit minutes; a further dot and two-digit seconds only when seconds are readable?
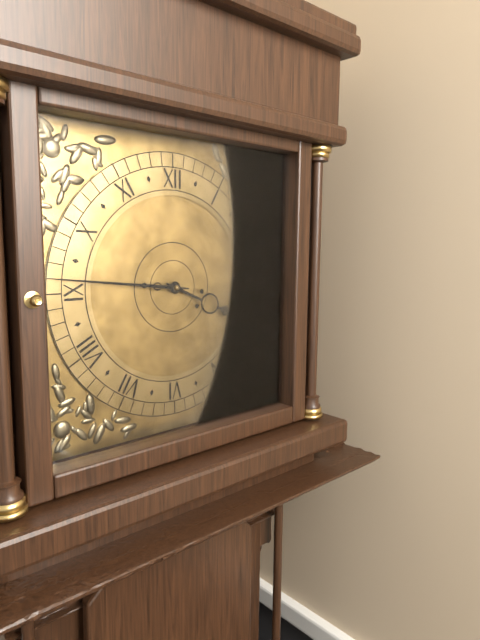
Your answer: 3.46
